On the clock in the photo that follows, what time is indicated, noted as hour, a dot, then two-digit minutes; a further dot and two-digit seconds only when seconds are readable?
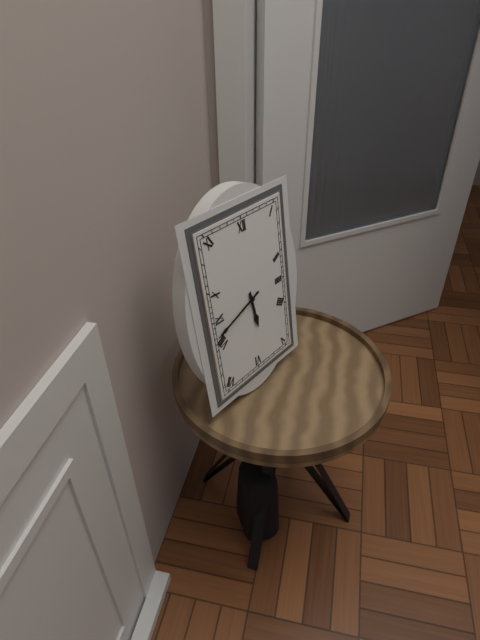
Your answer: 5.42
